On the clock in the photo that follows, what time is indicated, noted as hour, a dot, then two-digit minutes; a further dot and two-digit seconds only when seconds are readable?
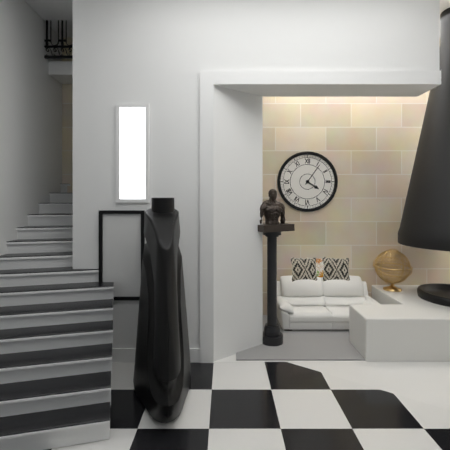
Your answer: 4.06
